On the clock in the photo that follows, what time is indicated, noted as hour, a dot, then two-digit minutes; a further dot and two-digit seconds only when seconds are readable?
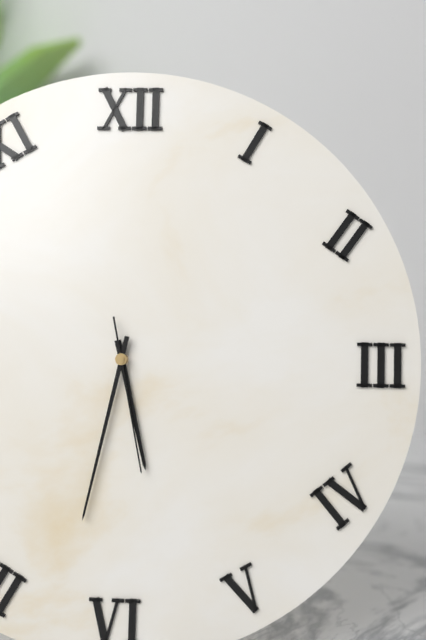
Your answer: 5.32.28
